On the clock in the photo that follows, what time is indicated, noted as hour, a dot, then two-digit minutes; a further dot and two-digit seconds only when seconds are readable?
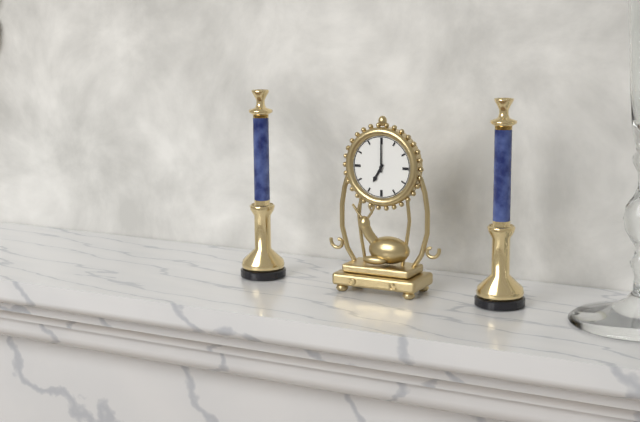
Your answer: 7.00
